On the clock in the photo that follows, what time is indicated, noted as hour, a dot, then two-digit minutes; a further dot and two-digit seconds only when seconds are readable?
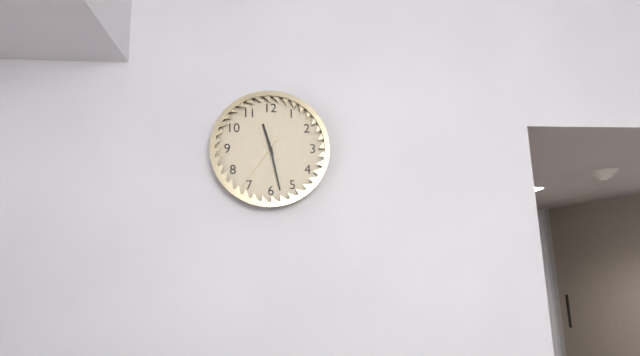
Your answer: 11.28.36
